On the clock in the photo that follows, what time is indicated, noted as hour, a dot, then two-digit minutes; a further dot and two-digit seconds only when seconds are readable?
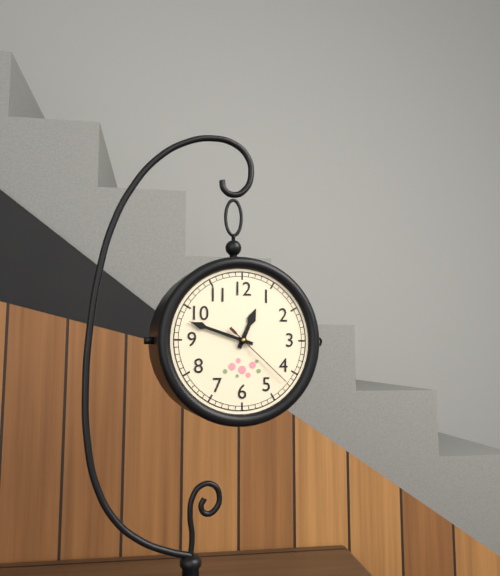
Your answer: 12.48.22
